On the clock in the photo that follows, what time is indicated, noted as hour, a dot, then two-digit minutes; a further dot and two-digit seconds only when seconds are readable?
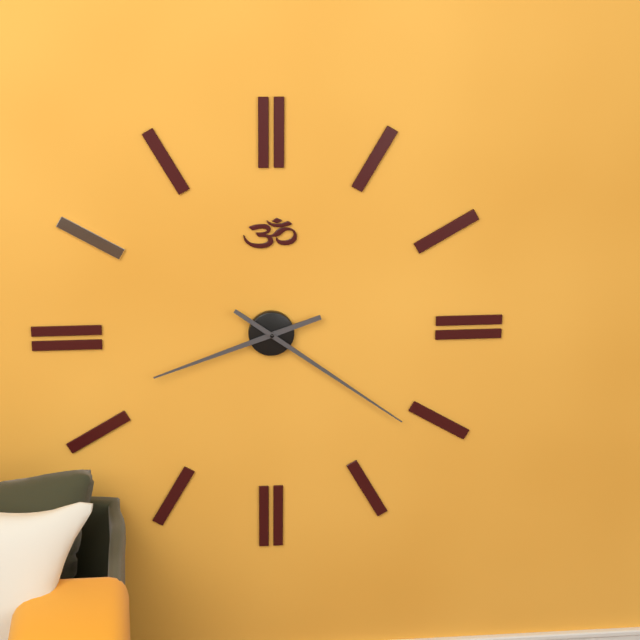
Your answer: 8.21
